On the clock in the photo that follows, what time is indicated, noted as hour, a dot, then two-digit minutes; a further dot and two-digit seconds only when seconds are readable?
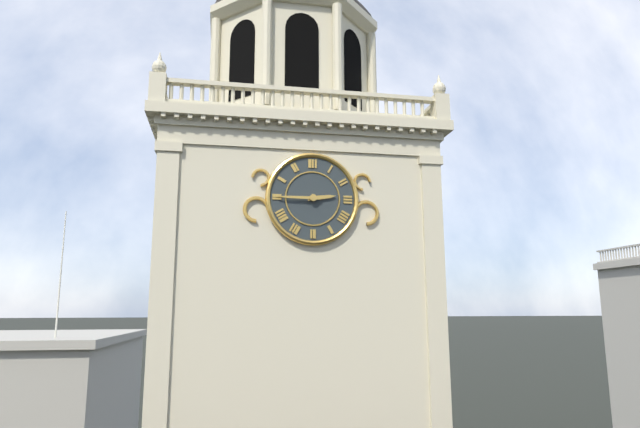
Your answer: 2.45
